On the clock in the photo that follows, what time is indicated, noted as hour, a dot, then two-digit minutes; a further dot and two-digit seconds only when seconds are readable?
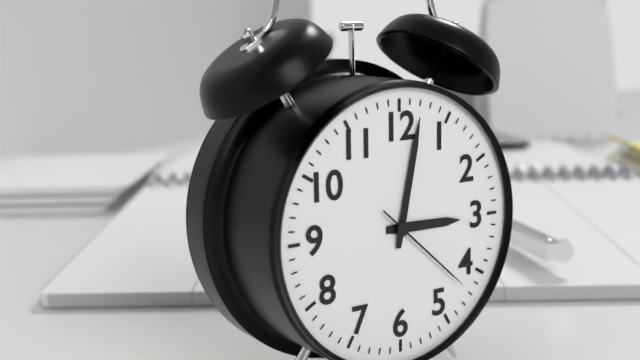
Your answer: 3.02.22
